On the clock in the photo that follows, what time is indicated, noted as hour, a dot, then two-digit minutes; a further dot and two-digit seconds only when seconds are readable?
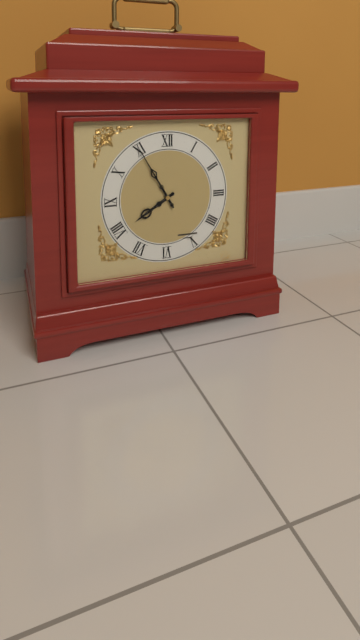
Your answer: 7.55
